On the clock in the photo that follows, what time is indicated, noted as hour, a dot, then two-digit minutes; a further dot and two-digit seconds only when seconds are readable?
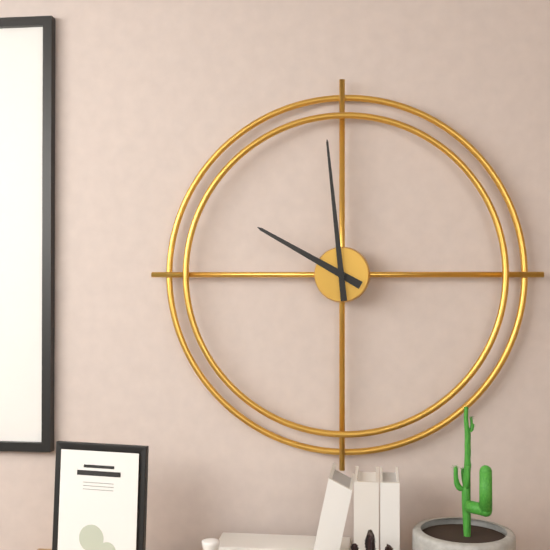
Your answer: 9.59
